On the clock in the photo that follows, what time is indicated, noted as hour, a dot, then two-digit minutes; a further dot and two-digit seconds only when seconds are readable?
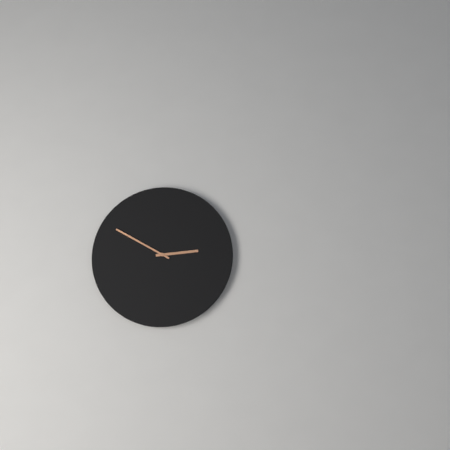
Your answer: 2.50
